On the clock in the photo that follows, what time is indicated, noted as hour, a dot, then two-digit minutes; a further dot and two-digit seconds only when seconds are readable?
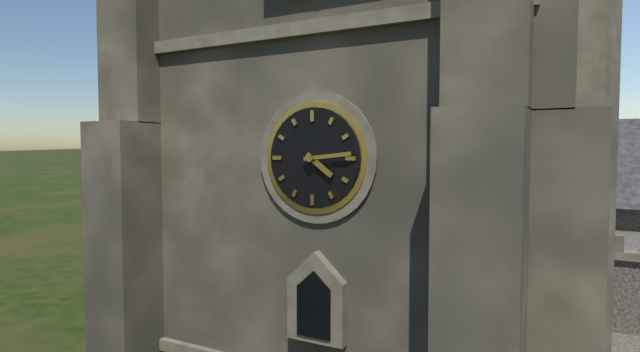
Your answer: 4.14
